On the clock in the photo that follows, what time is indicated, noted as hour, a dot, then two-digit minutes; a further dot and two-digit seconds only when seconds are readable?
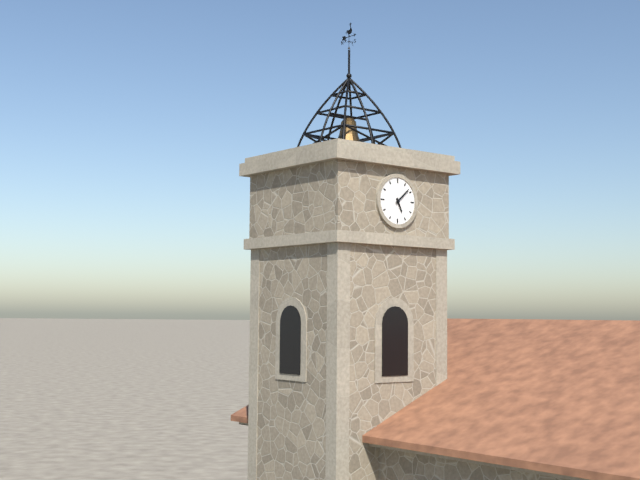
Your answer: 5.08
